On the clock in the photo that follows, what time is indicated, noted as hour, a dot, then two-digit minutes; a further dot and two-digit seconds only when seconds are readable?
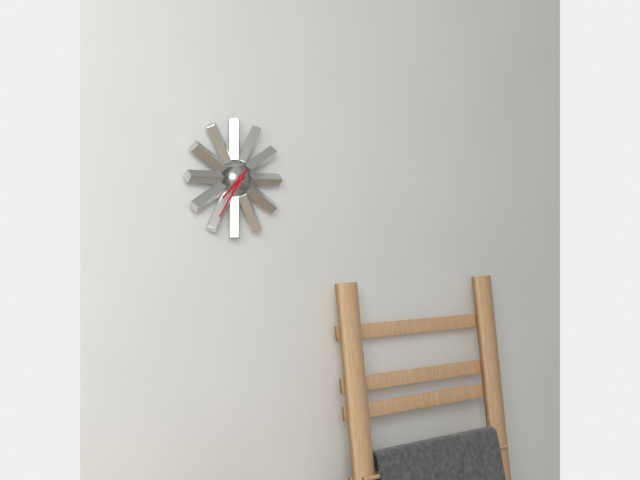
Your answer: 7.36
